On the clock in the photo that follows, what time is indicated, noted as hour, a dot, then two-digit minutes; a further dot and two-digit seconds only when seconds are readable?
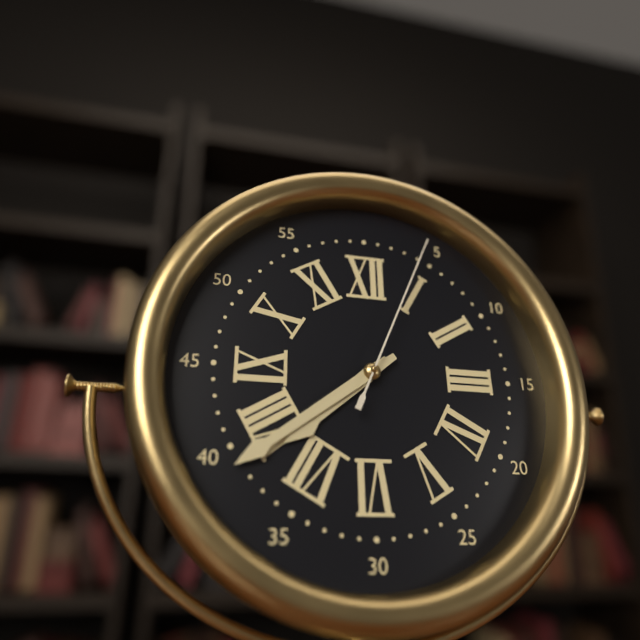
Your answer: 7.39.04
